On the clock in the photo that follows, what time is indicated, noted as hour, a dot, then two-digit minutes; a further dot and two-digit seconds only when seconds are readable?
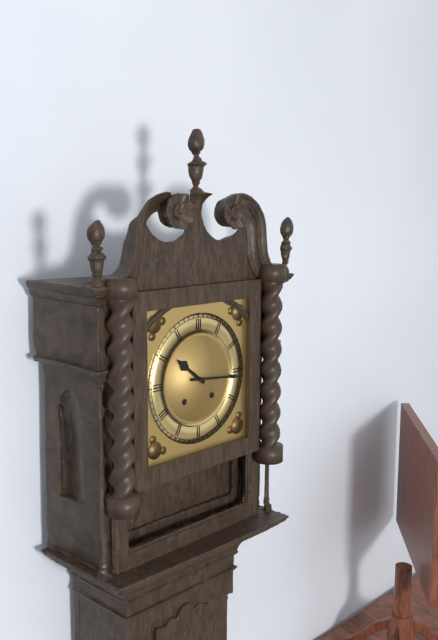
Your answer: 10.16
